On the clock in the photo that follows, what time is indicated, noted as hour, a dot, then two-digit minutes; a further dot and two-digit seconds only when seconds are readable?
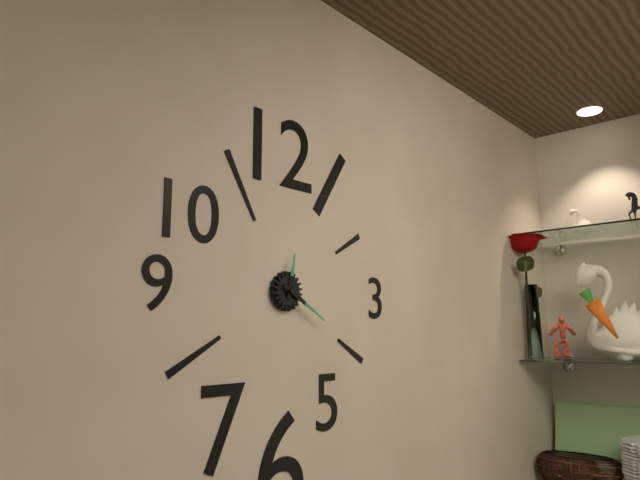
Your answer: 12.20
